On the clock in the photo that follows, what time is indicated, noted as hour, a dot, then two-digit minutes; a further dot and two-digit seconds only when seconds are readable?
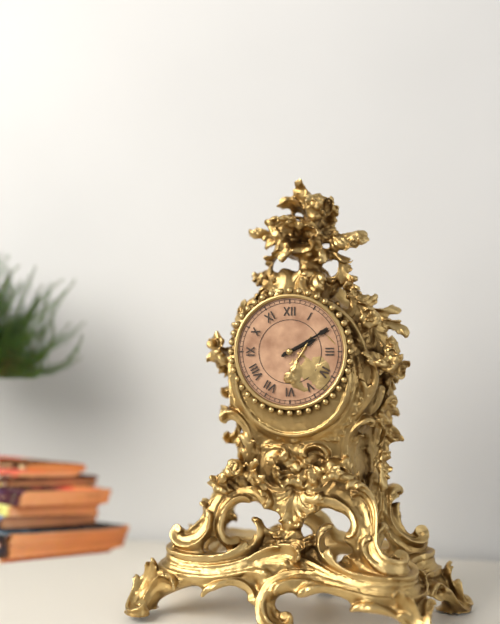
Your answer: 2.10
